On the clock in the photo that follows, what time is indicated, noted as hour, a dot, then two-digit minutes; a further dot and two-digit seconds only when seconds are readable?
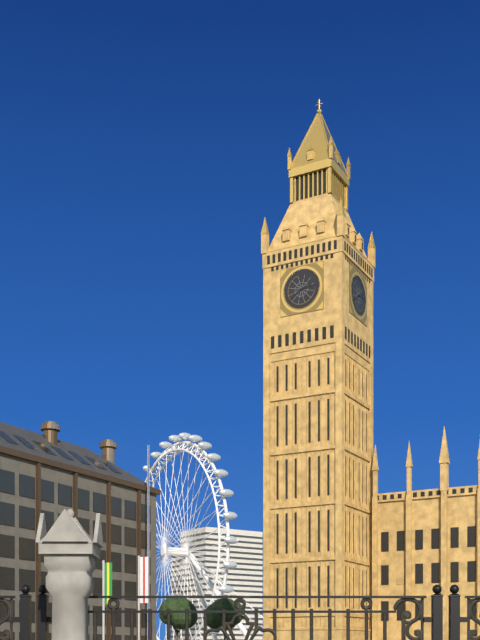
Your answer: 2.39
